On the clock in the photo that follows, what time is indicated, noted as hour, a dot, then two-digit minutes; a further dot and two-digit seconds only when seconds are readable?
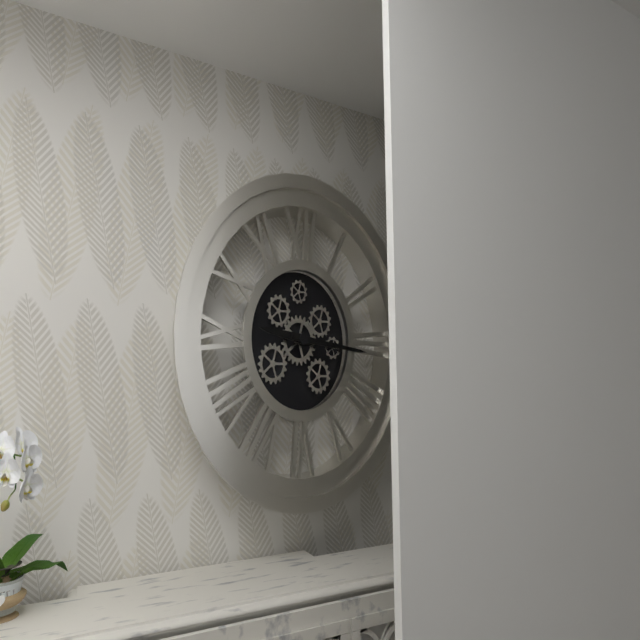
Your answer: 9.16
